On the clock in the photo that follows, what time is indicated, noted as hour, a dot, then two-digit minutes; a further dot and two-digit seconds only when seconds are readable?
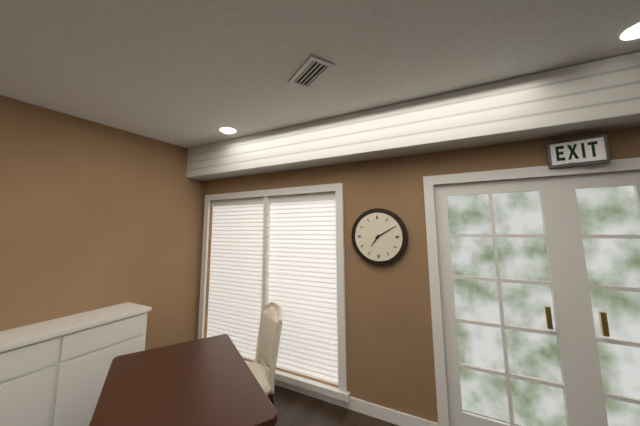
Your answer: 7.10
